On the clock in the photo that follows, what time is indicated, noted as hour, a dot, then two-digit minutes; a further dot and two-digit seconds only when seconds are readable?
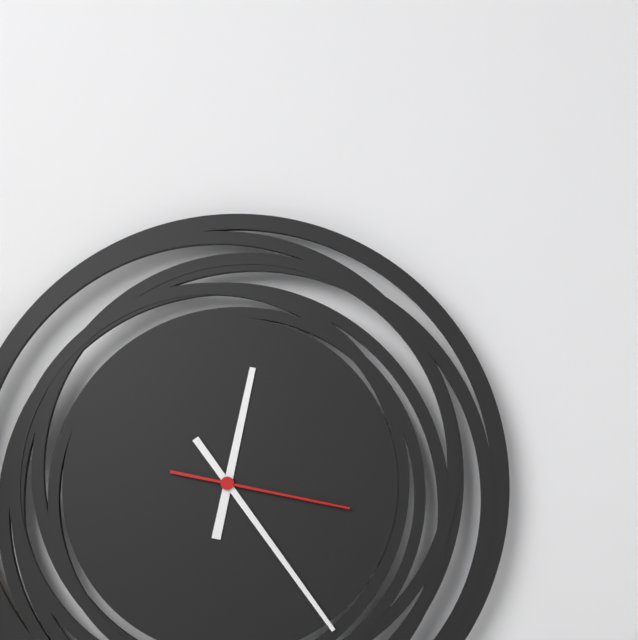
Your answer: 12.24.17
